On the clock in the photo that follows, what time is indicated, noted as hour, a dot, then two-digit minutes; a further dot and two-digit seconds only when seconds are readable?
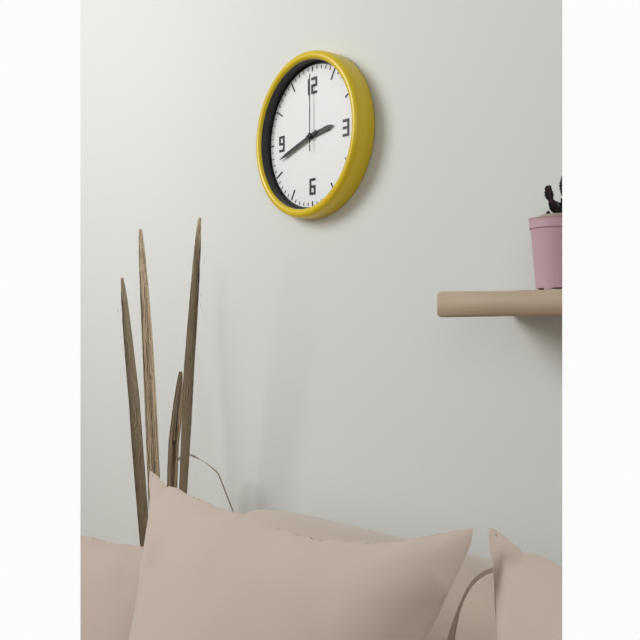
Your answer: 2.42.00
